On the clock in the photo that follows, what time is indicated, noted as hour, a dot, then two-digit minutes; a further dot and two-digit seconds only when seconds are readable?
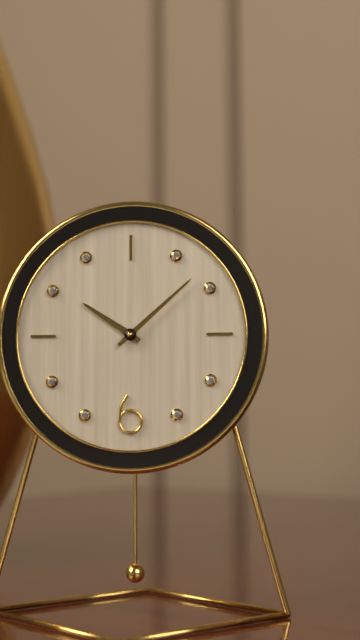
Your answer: 10.08
